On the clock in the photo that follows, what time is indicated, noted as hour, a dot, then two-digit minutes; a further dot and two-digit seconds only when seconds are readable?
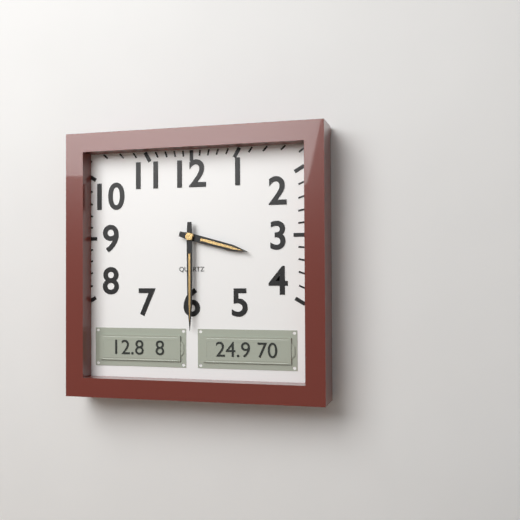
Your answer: 3.30
